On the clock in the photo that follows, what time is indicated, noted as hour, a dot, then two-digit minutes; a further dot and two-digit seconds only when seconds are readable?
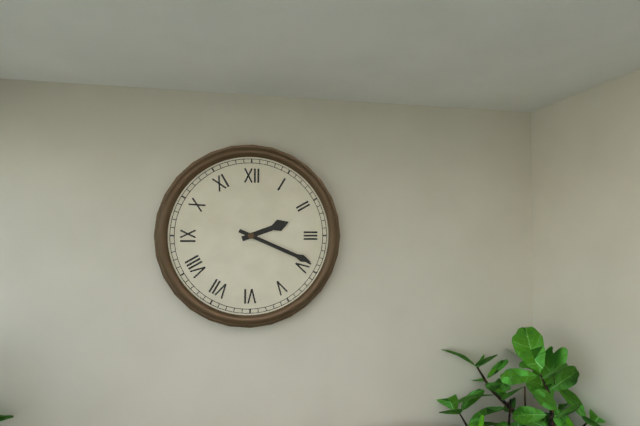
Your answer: 2.19
